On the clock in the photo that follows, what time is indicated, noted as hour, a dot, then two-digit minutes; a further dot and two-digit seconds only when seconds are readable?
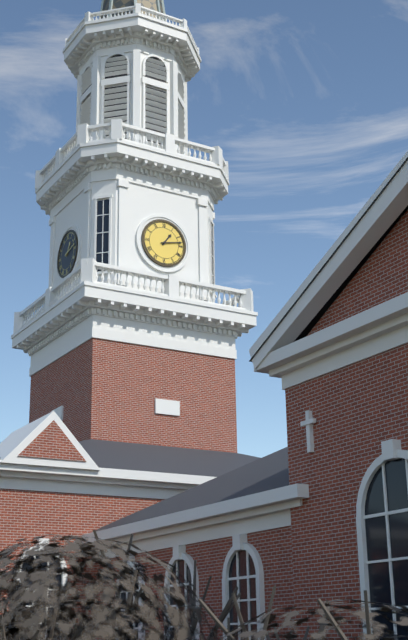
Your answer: 1.13
